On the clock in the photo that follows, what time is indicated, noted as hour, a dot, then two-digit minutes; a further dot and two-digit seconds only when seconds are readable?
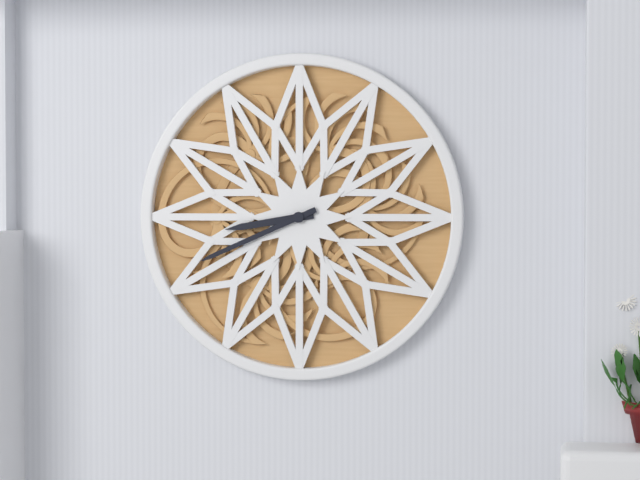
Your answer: 8.41
